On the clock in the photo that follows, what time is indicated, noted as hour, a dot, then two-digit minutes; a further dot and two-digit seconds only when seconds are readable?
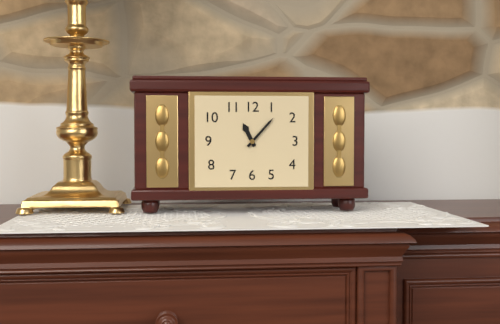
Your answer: 11.07
